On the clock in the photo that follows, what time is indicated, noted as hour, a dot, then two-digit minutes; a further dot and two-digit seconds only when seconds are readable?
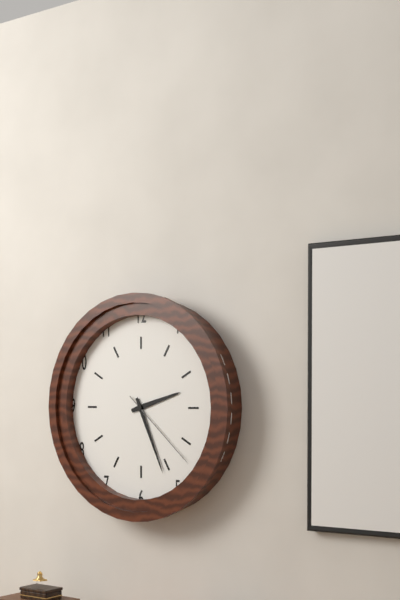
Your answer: 2.26.22
